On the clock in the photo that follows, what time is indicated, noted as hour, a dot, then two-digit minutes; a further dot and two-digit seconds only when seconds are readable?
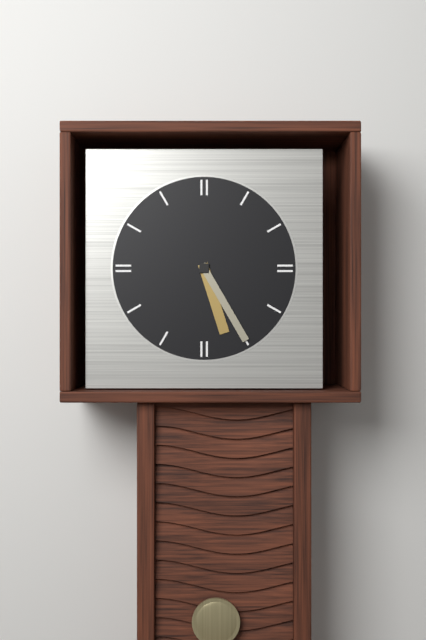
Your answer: 5.25
